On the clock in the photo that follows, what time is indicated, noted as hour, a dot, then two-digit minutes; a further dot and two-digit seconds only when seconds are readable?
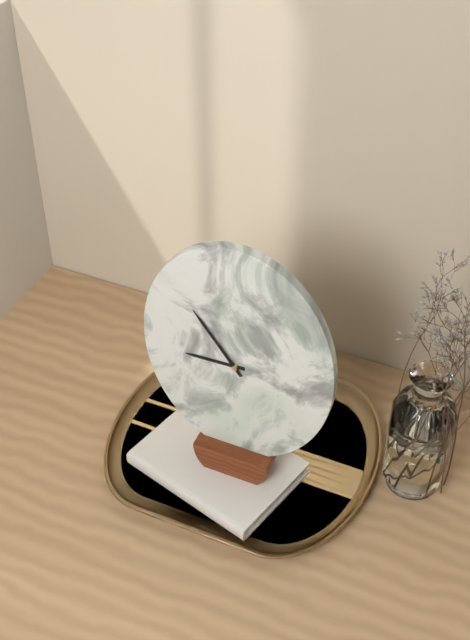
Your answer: 8.54
